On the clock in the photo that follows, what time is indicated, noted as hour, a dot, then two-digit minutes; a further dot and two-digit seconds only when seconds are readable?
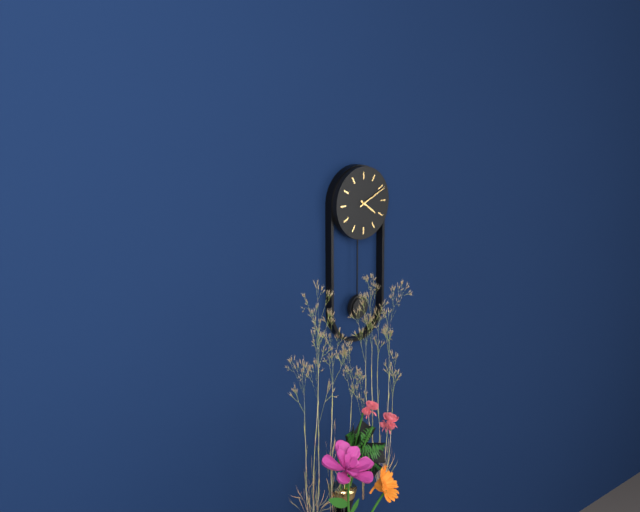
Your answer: 4.11
